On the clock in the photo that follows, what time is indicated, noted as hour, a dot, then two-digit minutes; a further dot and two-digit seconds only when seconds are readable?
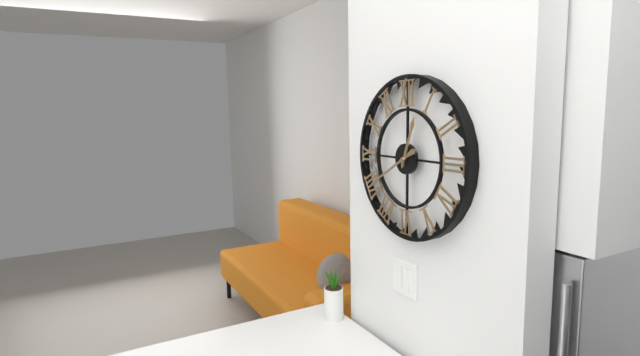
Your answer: 12.40
